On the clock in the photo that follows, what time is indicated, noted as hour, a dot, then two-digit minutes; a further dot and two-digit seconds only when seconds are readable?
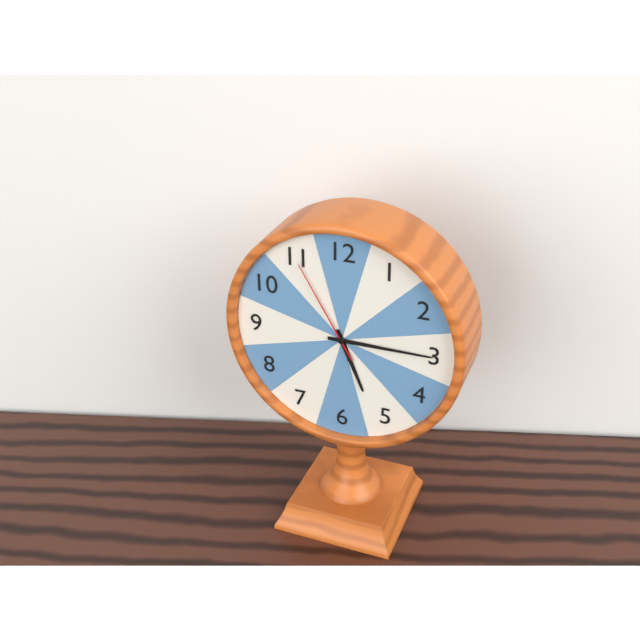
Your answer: 5.15.55
